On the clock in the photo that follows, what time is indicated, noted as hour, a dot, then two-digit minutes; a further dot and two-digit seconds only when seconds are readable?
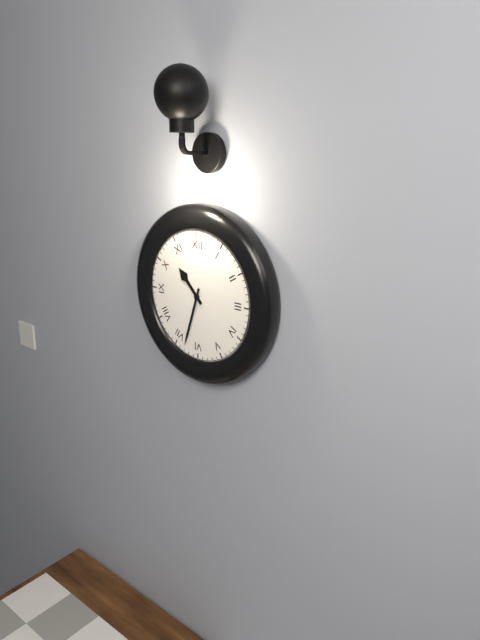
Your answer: 10.33
